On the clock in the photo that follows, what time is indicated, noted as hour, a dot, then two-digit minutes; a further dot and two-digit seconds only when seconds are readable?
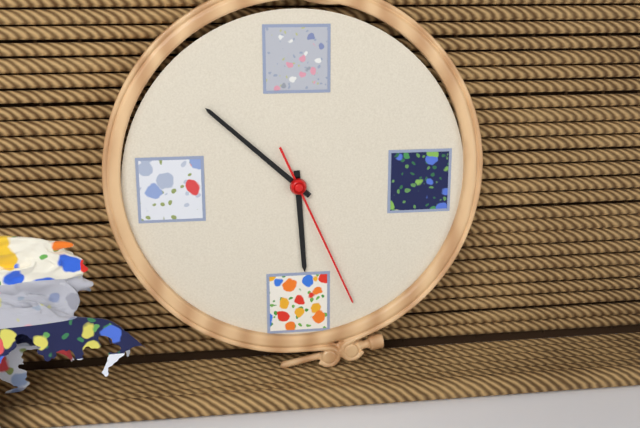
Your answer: 5.52.26
